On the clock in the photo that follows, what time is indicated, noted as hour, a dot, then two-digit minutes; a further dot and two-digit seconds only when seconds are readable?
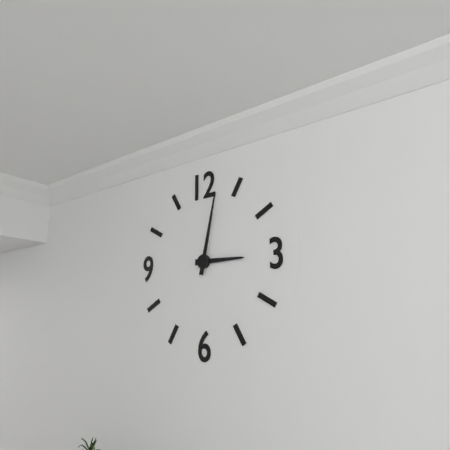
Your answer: 3.02
